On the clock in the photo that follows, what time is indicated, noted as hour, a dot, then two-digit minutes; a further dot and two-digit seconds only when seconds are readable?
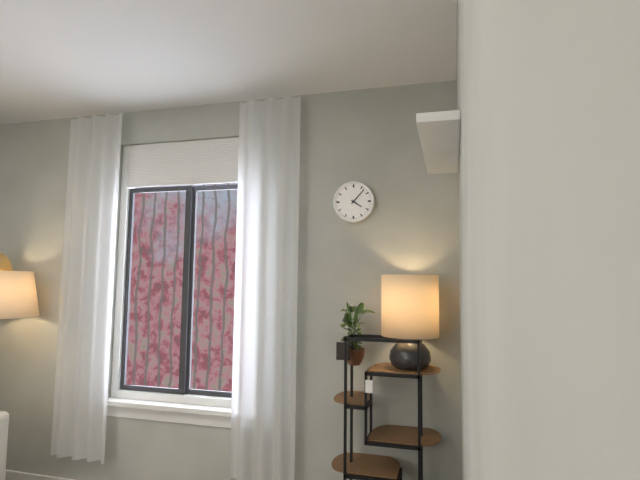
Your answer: 4.07
